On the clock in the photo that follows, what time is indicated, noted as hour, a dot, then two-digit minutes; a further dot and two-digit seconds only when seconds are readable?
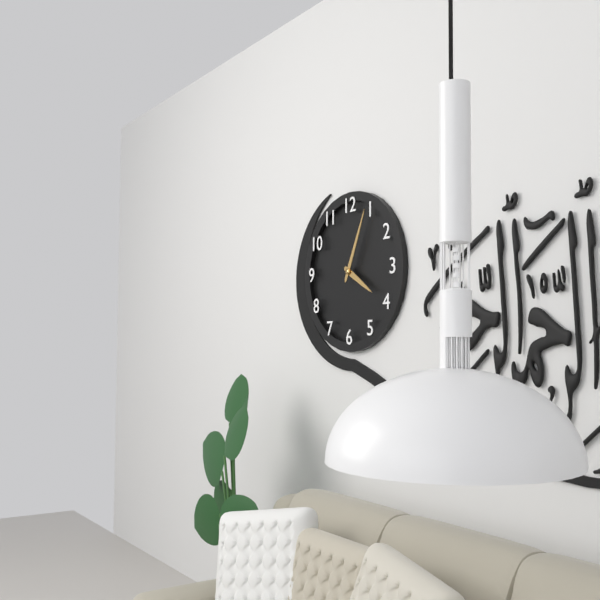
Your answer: 4.04
